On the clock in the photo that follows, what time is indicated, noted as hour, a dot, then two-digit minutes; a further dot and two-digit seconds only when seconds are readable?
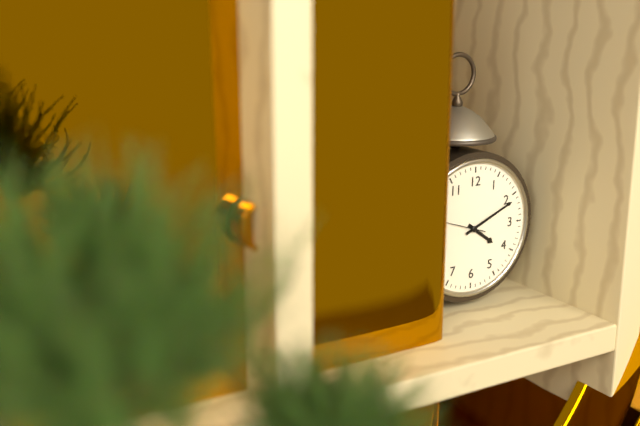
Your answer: 4.11
